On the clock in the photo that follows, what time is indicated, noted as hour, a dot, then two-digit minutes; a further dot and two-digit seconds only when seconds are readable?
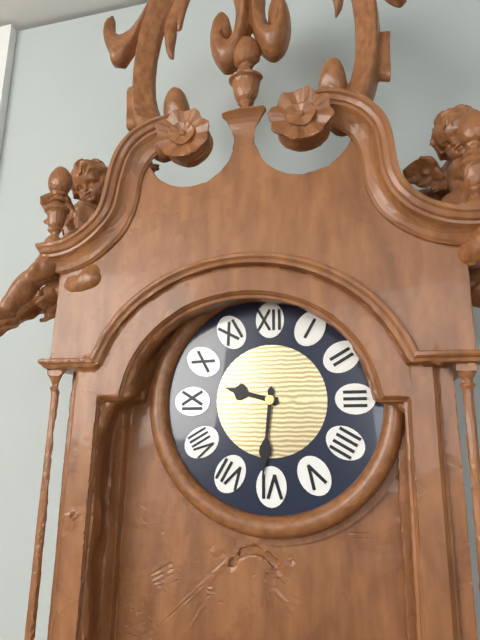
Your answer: 9.31
